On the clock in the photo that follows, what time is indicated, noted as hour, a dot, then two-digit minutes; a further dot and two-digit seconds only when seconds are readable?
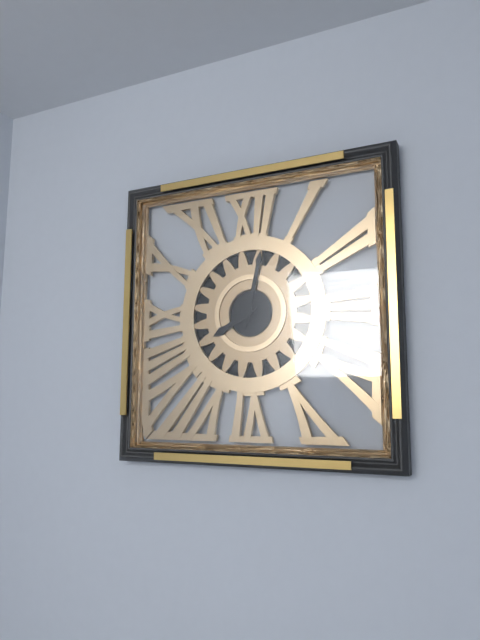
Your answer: 8.02
